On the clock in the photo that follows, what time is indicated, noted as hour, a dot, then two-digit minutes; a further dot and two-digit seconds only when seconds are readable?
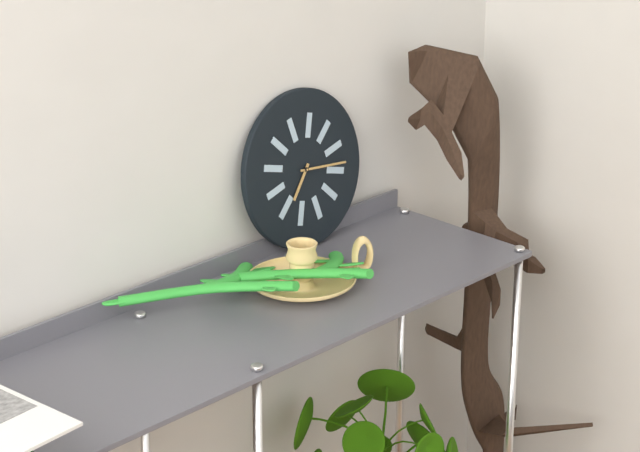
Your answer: 7.16
